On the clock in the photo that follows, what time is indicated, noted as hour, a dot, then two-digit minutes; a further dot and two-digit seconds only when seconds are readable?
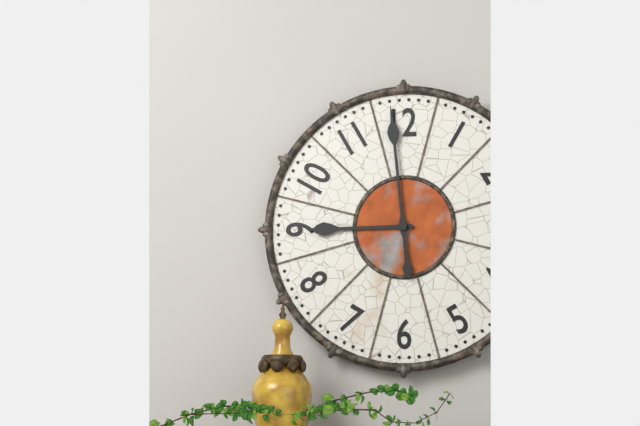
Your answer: 8.59
